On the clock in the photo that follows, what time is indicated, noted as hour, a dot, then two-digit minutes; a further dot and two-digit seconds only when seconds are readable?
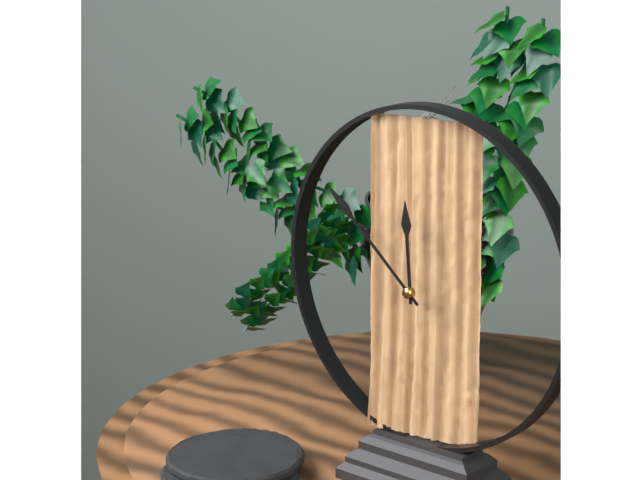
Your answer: 11.52
